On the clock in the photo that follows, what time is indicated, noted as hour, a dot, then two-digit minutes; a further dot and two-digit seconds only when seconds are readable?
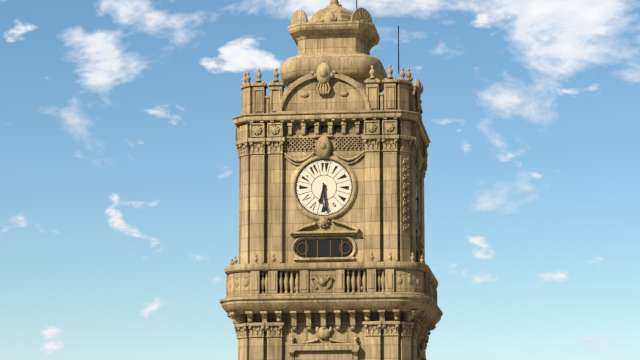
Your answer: 6.29
